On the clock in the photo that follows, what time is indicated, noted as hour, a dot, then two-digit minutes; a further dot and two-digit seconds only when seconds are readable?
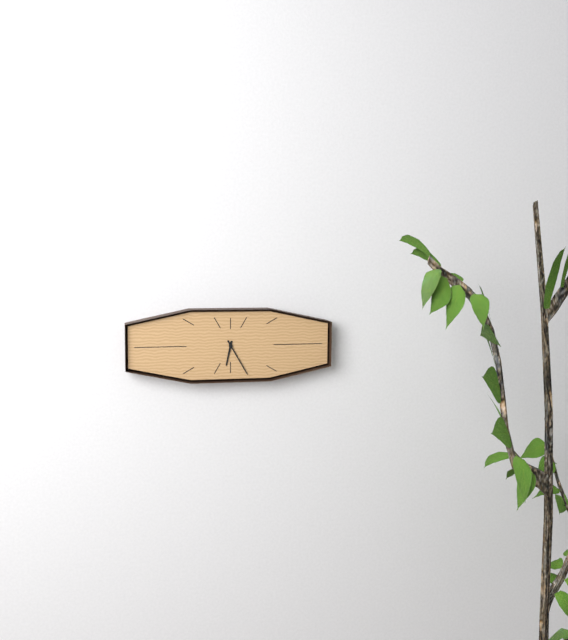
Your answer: 6.25
